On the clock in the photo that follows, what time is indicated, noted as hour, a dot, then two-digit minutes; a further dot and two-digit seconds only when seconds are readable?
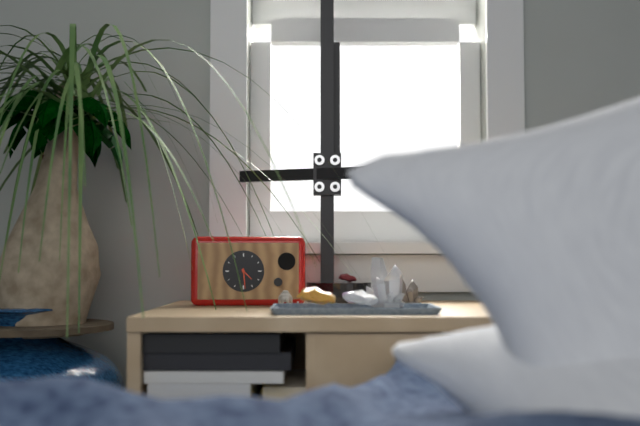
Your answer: 4.29
